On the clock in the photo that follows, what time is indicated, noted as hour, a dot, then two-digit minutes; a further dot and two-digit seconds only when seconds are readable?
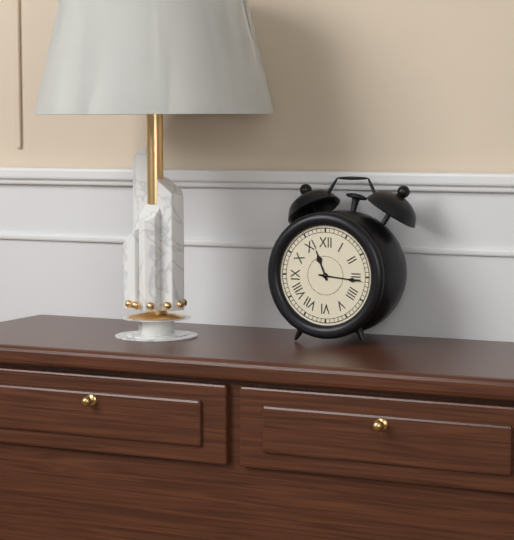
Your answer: 11.16
